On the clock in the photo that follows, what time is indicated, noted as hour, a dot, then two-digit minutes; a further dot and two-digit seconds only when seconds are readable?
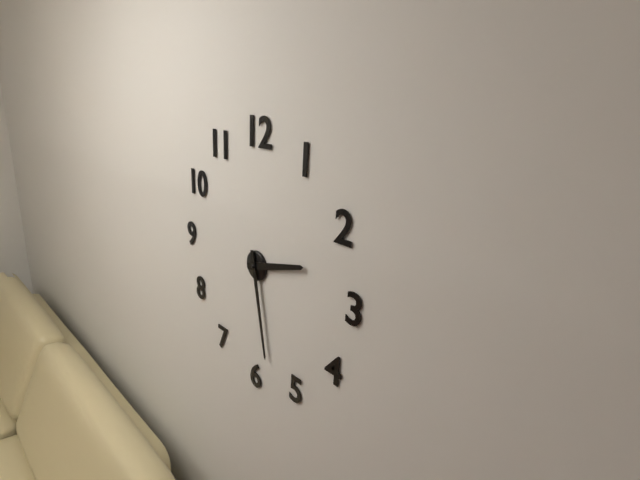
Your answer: 2.28
